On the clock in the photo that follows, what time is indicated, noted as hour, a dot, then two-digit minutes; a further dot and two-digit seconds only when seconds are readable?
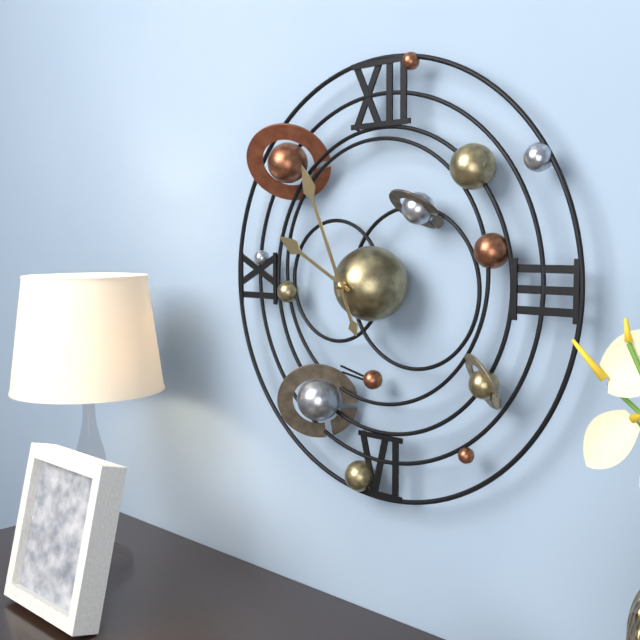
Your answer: 9.56
